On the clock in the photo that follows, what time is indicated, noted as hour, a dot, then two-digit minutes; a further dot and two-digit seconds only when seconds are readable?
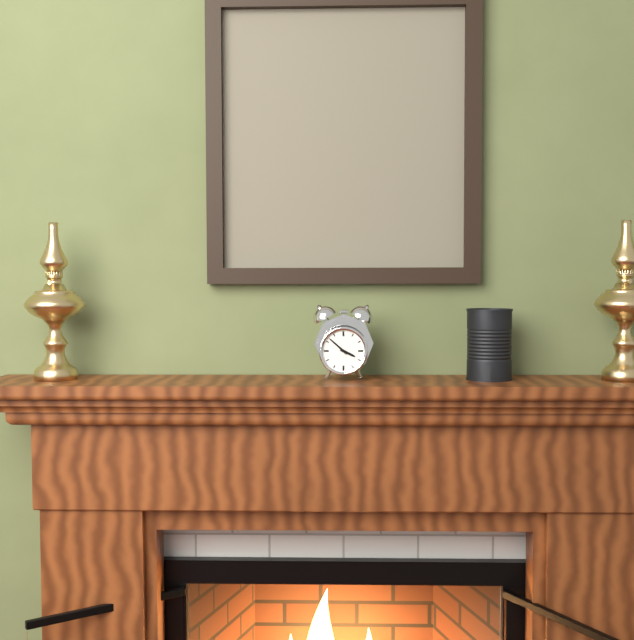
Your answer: 3.52
